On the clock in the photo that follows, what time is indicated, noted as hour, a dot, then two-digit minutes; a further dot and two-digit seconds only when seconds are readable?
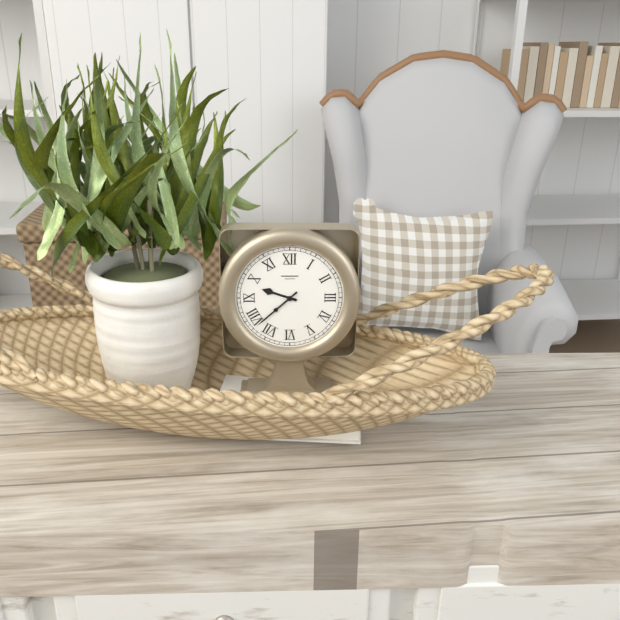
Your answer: 9.38
